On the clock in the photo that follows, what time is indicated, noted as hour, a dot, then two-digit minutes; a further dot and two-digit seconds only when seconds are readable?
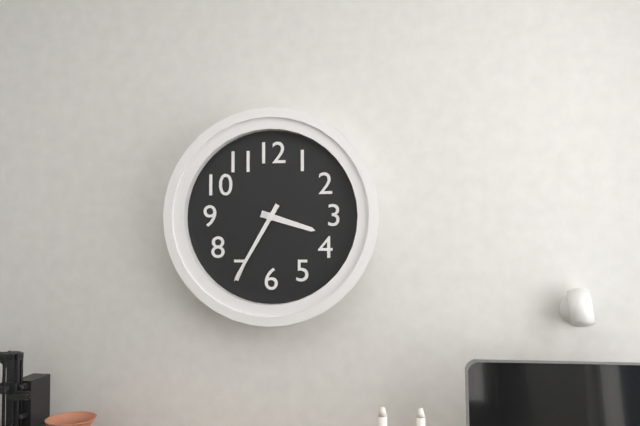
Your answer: 3.35
